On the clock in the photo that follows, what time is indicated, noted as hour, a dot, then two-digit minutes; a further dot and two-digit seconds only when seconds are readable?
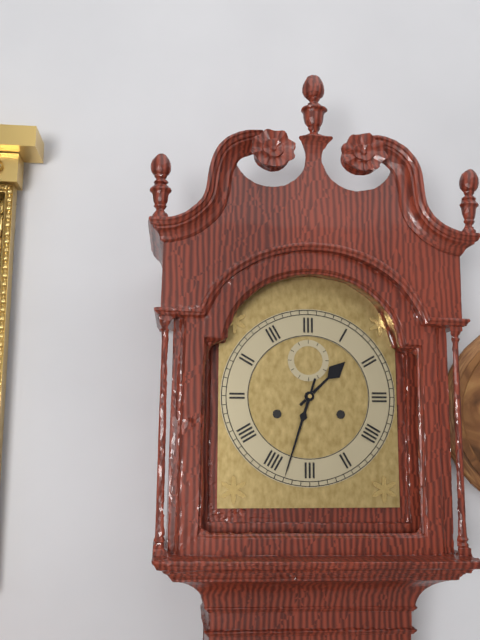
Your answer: 1.33
